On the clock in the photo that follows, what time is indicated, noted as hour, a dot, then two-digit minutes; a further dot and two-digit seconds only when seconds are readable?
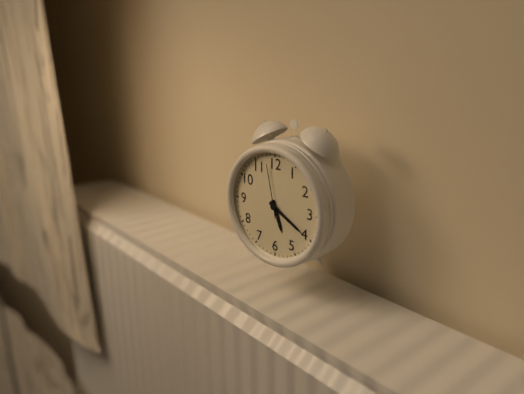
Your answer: 5.20.58
